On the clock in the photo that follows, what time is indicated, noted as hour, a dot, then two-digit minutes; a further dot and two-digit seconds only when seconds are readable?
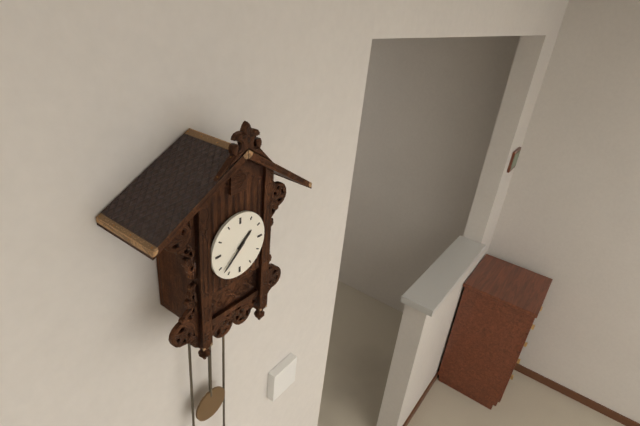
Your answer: 1.38
